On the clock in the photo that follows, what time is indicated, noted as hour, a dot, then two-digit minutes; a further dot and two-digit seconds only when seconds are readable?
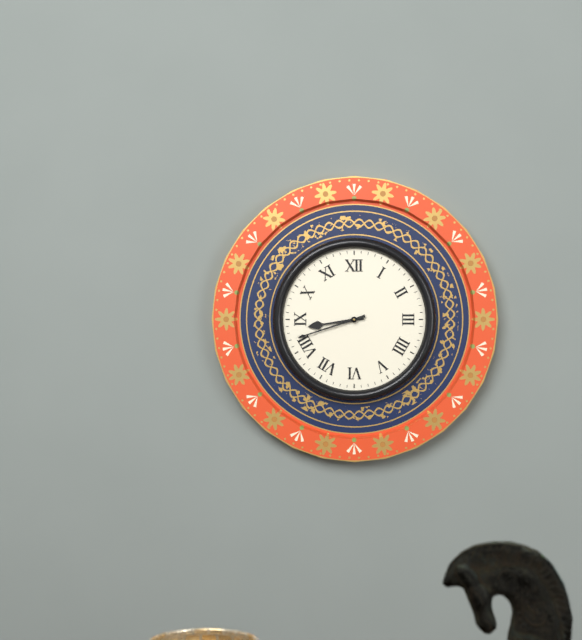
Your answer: 8.42
